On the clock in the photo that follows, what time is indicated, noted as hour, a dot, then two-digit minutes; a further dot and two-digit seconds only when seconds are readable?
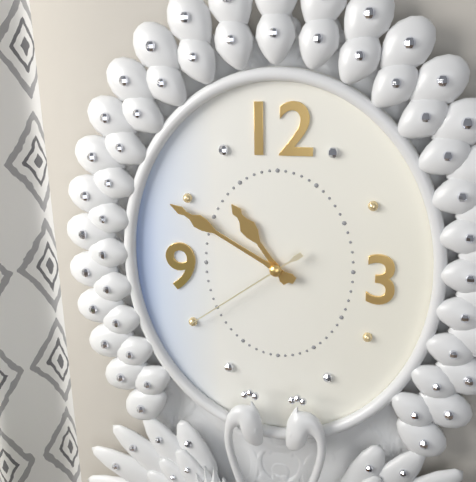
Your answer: 10.50.39
